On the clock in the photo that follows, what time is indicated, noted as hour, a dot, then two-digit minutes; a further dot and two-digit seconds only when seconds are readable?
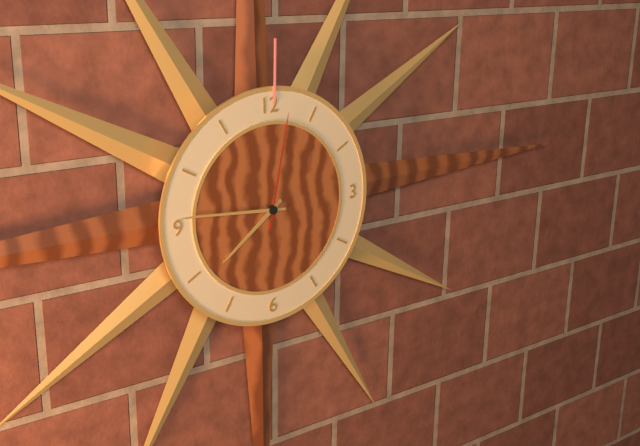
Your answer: 7.46.02
